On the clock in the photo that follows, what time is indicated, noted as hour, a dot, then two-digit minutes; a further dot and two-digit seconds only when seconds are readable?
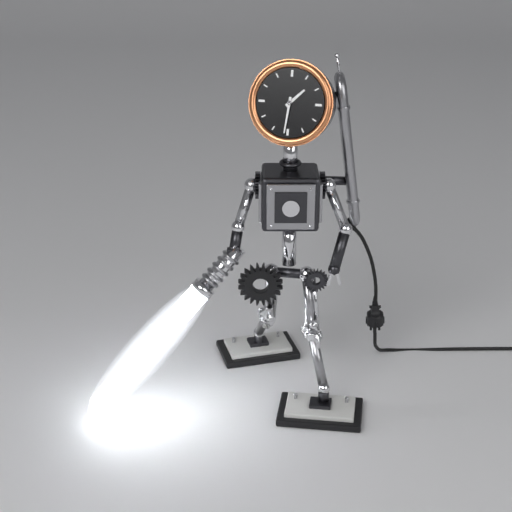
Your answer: 1.31
